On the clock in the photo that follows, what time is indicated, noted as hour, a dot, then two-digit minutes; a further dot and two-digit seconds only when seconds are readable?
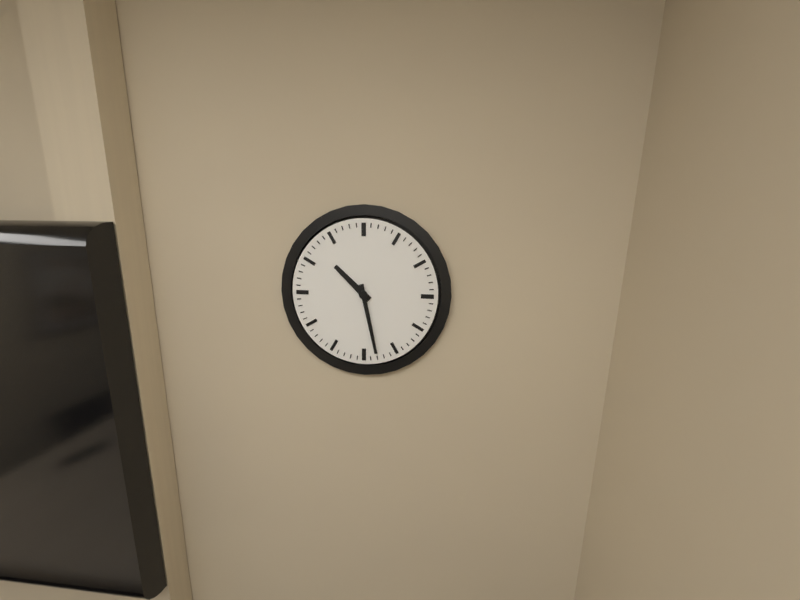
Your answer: 10.28
